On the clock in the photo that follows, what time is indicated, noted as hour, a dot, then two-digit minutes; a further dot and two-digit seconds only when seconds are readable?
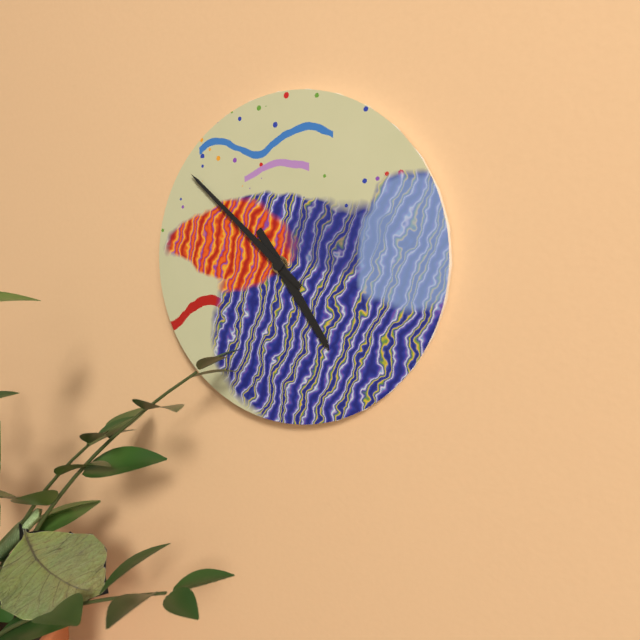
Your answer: 4.52
